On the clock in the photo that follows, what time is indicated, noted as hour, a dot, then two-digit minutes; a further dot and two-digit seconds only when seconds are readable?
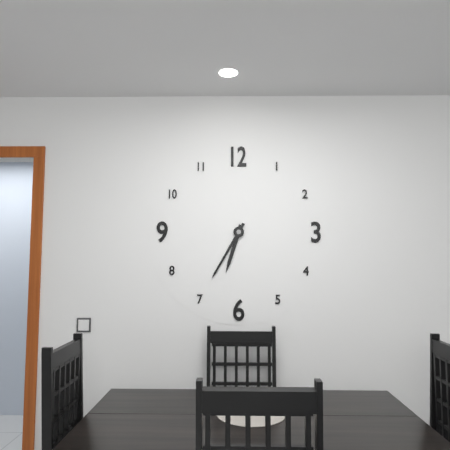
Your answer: 6.35
